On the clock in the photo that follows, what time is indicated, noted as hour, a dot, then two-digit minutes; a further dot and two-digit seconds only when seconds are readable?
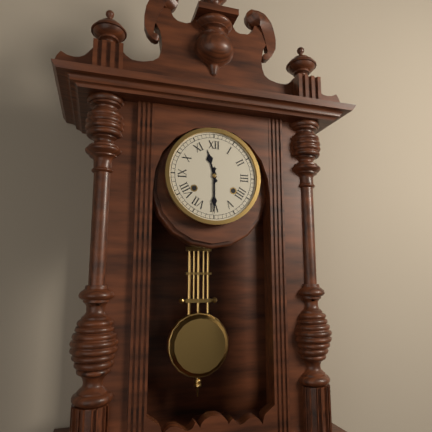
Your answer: 11.30
